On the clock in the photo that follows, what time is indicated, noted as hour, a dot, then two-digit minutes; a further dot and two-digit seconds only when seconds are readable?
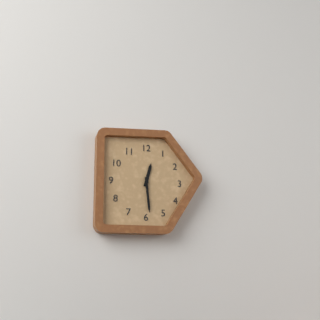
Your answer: 12.29
